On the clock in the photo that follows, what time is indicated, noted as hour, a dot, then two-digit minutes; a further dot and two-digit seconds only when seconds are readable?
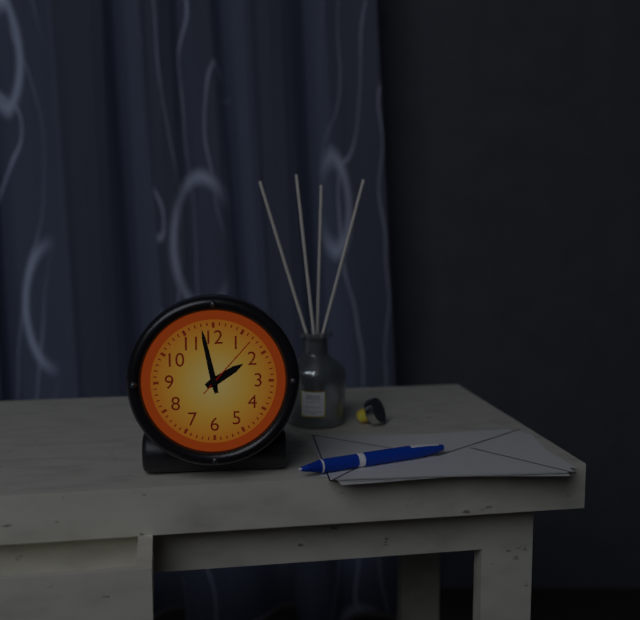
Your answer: 1.58.07
